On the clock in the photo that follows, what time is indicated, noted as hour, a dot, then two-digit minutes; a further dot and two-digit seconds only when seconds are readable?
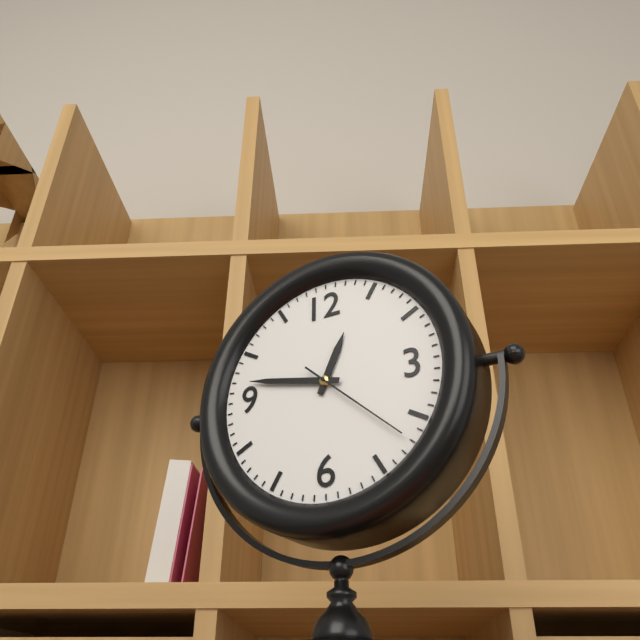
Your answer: 12.47.22
